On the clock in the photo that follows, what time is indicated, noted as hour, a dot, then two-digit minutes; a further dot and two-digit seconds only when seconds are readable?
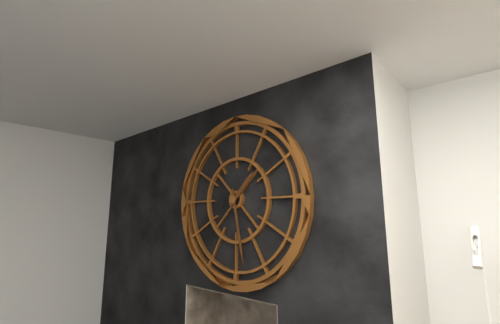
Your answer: 1.28
